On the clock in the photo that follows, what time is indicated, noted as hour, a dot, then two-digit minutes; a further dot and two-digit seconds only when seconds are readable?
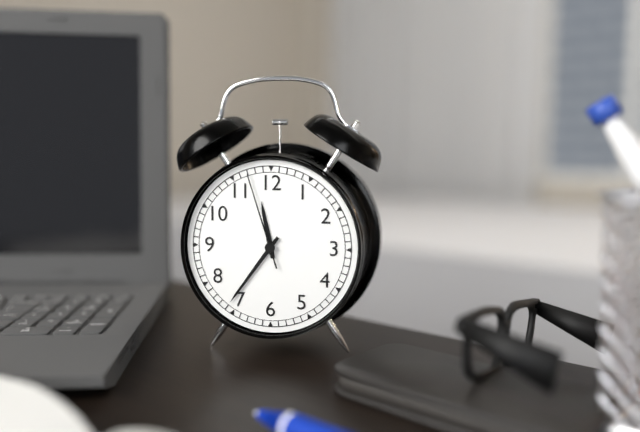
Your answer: 11.36.57
